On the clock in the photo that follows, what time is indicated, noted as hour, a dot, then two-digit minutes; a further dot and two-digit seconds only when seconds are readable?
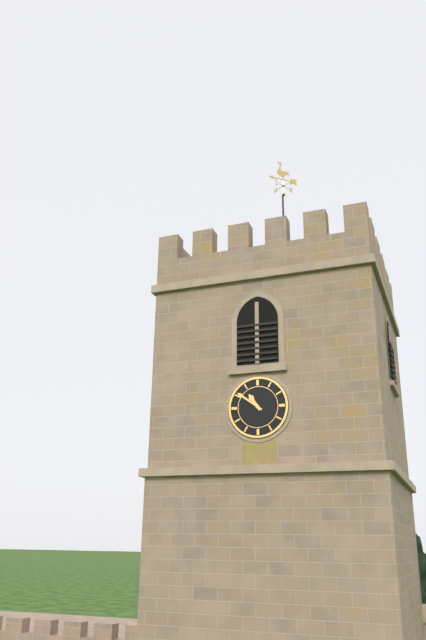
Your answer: 10.51
